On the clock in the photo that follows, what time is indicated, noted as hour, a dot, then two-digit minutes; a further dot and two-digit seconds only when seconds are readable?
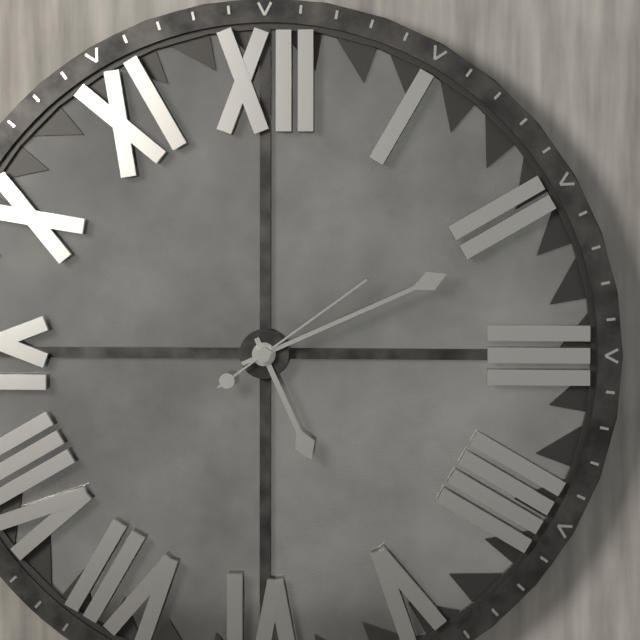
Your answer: 5.11.09
